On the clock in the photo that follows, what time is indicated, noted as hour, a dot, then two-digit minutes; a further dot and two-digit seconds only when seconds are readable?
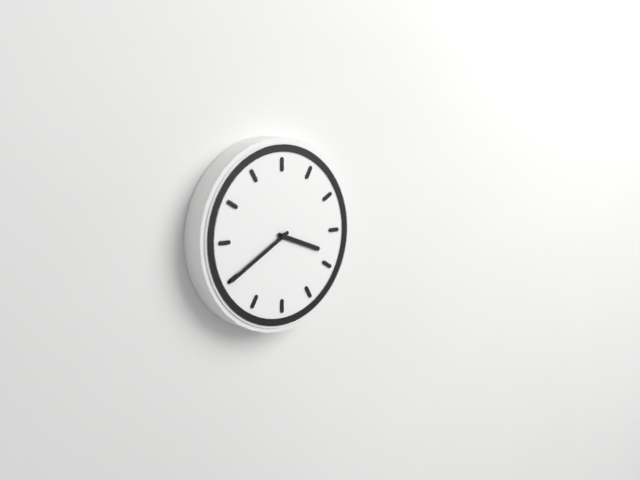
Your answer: 3.40
